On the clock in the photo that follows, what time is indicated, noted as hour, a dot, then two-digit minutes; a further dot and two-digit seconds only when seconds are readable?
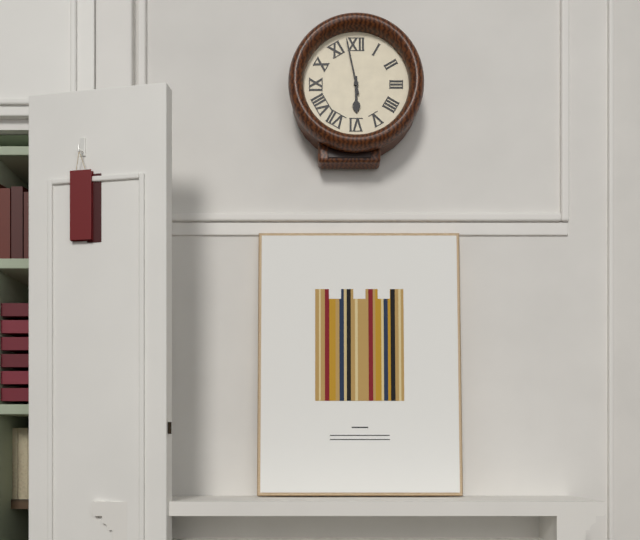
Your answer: 5.58
